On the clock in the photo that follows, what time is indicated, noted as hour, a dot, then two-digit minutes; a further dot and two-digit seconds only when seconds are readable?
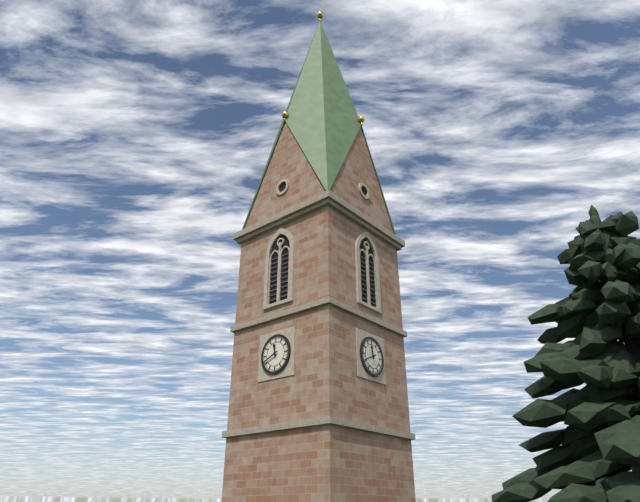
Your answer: 11.41
